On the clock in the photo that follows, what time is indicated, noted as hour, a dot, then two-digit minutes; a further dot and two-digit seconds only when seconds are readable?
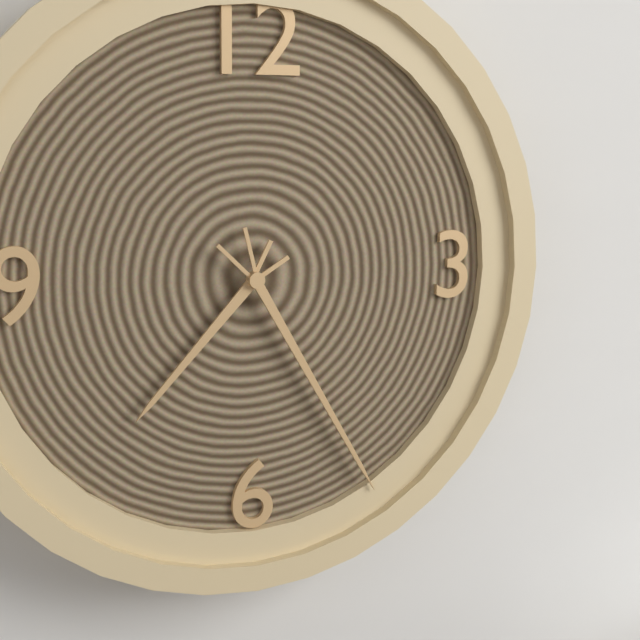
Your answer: 7.25
